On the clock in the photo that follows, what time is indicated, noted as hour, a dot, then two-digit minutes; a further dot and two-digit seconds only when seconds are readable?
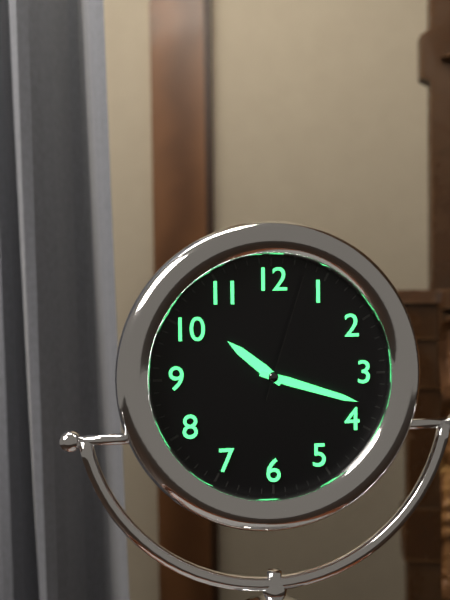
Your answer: 10.18.03
